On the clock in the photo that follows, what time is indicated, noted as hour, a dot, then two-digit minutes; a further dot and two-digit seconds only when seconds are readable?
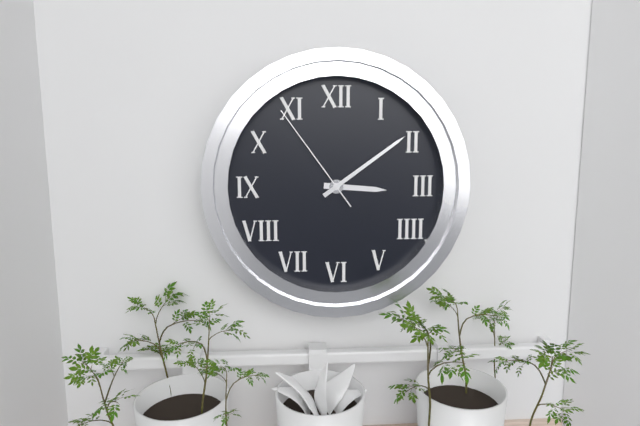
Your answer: 3.09.54
